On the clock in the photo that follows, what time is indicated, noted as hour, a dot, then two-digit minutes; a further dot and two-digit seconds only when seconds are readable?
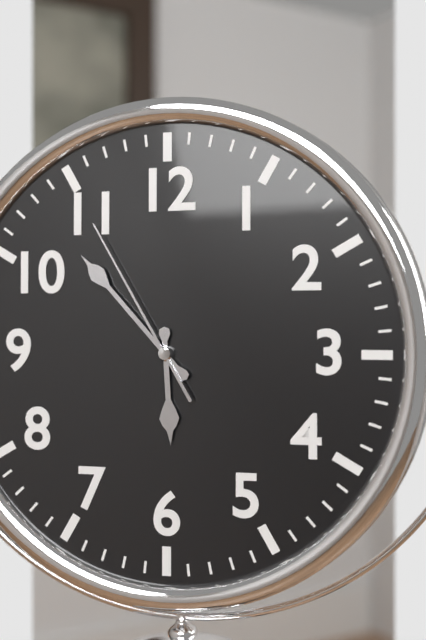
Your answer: 5.53.55
